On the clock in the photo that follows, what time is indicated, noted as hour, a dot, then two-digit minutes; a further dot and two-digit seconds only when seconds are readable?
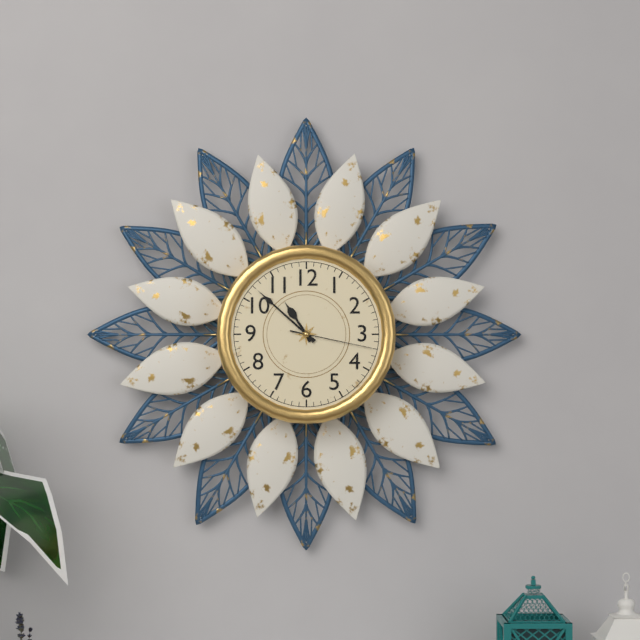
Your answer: 10.52.17
